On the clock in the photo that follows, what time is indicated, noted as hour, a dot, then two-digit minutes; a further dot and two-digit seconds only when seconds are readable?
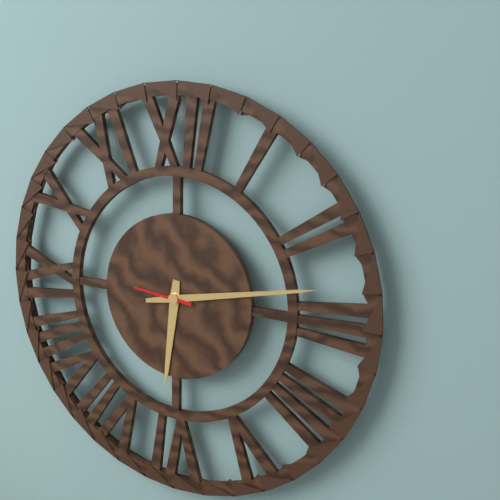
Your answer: 6.13.46
